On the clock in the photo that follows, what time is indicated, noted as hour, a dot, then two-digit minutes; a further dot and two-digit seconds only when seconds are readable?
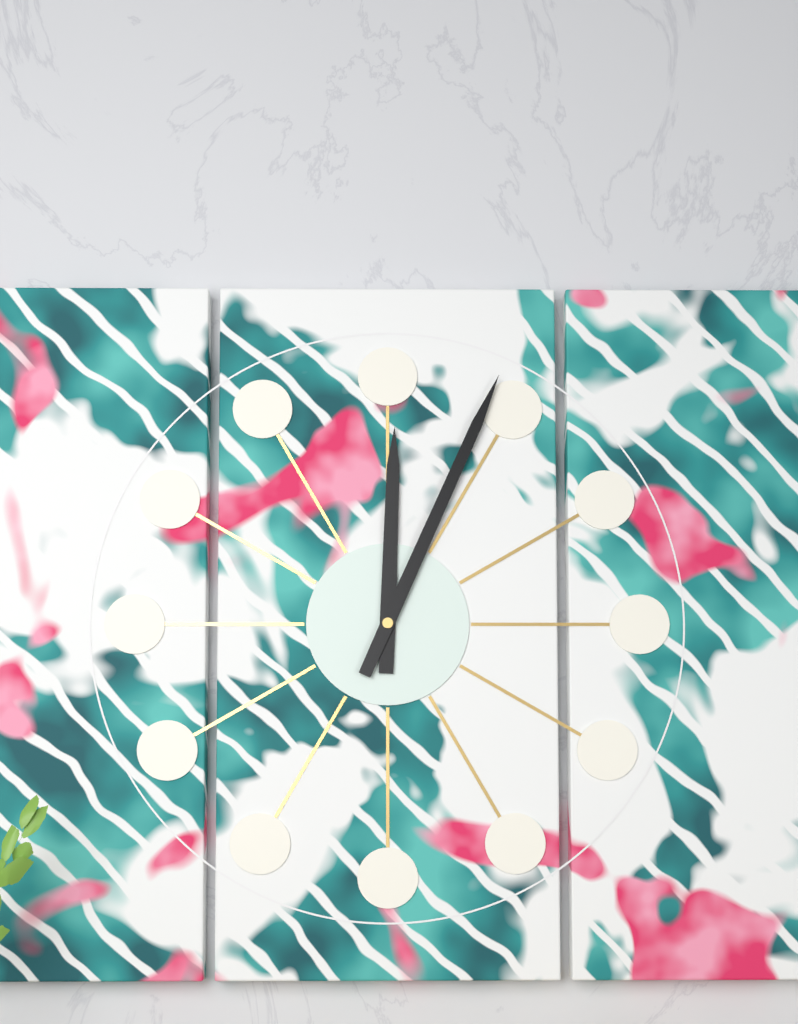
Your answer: 12.04
